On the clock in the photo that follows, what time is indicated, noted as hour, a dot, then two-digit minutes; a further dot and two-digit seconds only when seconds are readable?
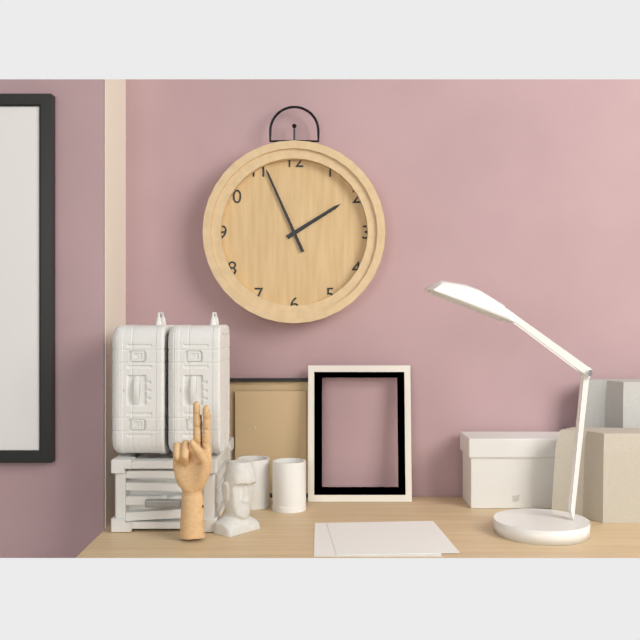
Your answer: 1.56
